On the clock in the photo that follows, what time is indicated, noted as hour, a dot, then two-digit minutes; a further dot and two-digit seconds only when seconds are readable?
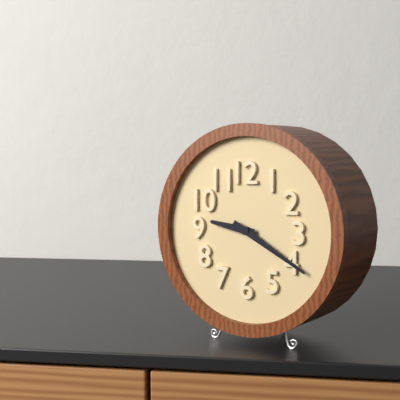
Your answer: 9.20
